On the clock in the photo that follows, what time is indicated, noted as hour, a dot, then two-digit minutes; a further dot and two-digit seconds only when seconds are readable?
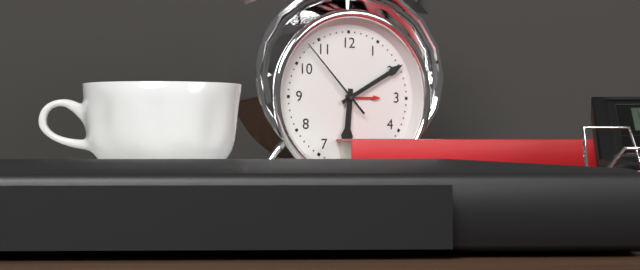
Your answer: 6.10.53
